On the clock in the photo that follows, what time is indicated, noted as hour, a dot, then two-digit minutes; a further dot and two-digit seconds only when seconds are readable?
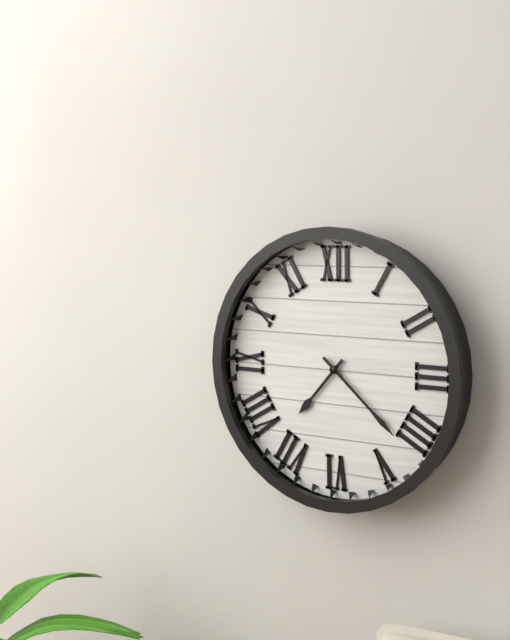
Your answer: 7.22
